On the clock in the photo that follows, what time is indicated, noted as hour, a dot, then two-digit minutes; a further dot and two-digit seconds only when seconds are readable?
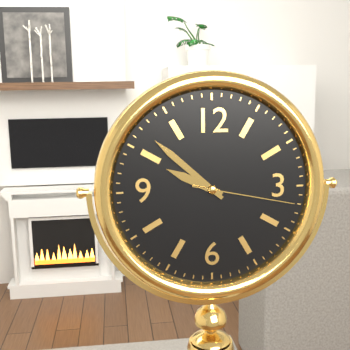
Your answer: 9.52.17
